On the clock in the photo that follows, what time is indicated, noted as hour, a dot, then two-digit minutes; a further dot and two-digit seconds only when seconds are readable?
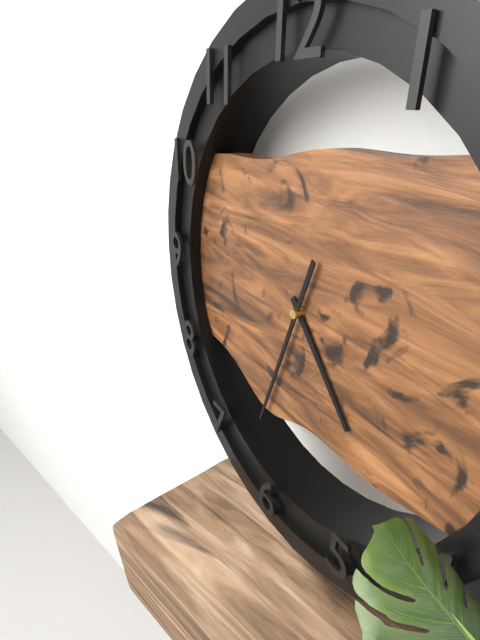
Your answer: 4.33
